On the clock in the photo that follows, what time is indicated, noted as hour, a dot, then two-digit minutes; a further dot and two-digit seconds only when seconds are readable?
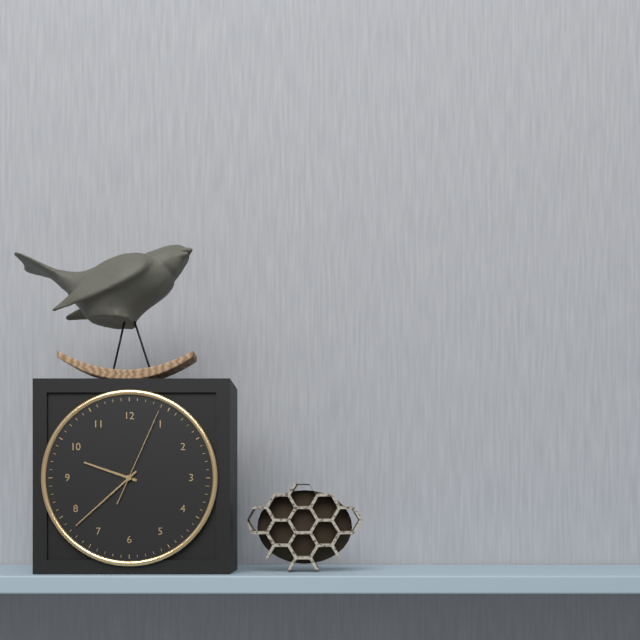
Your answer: 9.38.04
